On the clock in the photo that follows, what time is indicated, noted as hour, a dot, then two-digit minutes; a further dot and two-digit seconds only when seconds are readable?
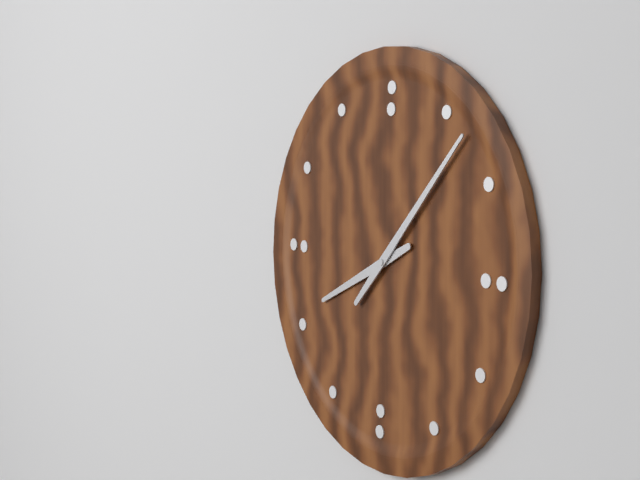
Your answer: 8.07
